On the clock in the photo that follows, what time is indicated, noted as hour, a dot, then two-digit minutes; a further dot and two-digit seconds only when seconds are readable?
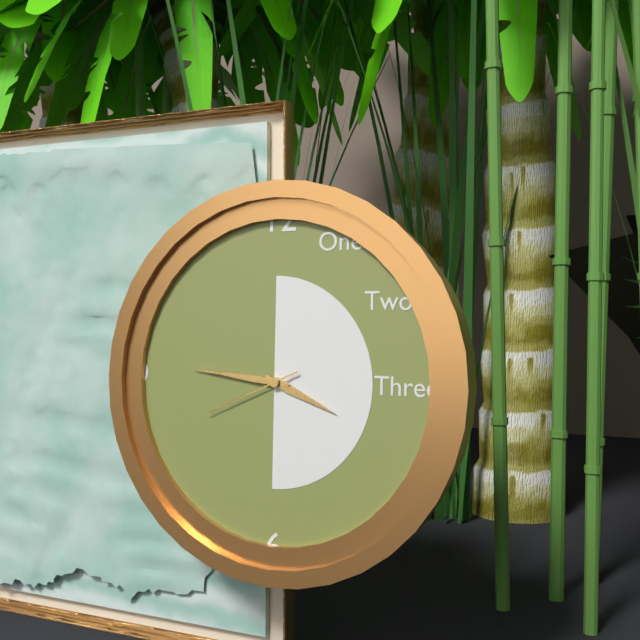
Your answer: 3.46.41
